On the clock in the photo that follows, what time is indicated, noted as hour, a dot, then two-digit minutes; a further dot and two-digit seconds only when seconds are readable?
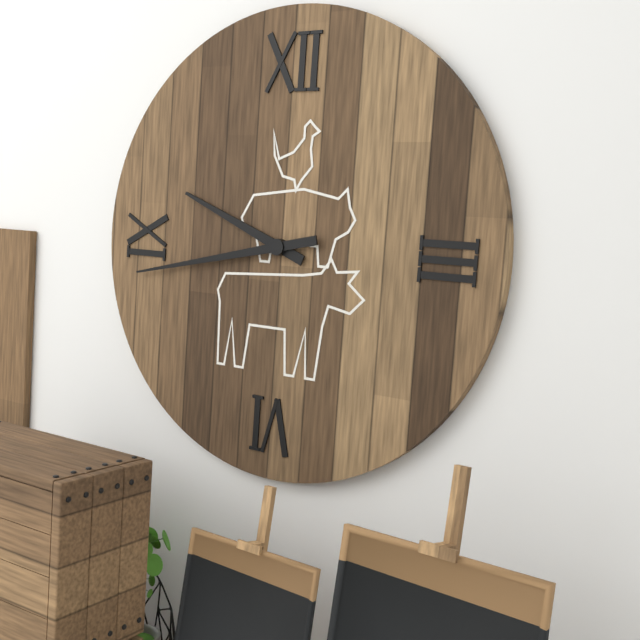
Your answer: 9.43
